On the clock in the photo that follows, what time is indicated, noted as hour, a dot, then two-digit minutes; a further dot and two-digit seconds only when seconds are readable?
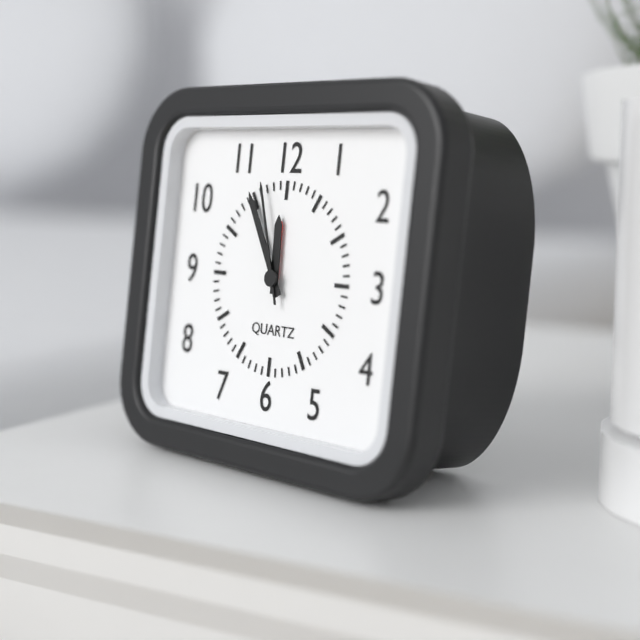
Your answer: 11.55.57
